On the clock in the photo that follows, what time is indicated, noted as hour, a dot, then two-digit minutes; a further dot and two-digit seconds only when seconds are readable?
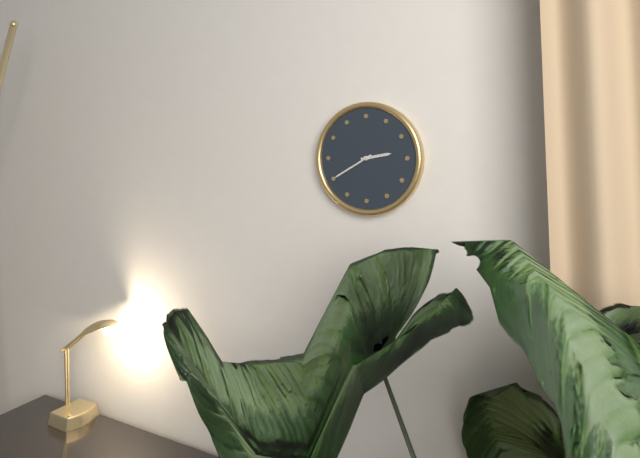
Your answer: 2.40
